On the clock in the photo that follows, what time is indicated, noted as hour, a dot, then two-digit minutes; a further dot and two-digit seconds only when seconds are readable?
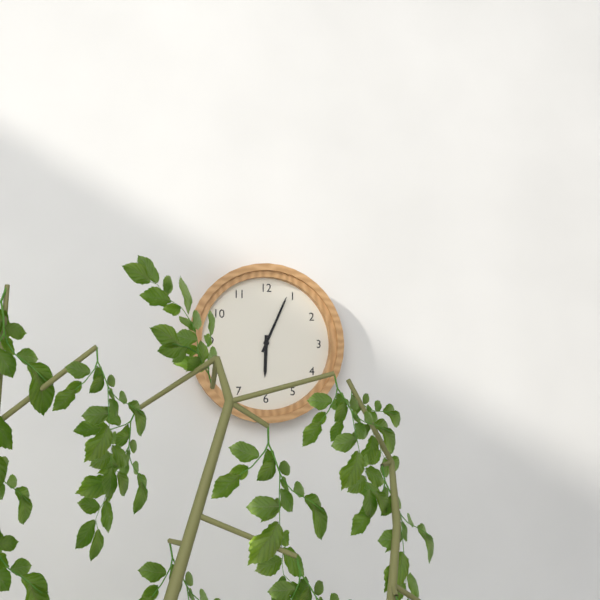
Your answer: 6.04
